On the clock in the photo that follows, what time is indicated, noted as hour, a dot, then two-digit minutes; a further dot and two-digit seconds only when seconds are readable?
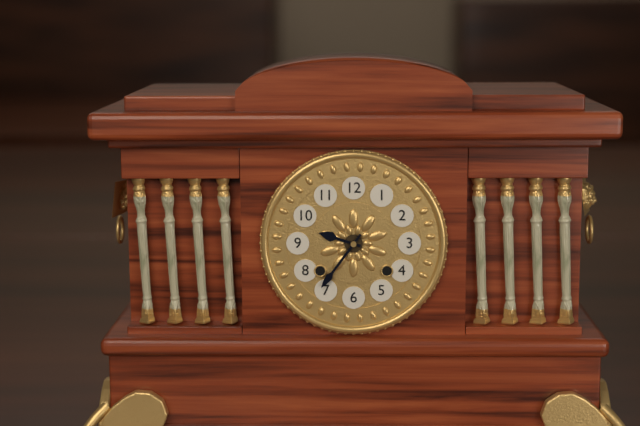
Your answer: 9.36
